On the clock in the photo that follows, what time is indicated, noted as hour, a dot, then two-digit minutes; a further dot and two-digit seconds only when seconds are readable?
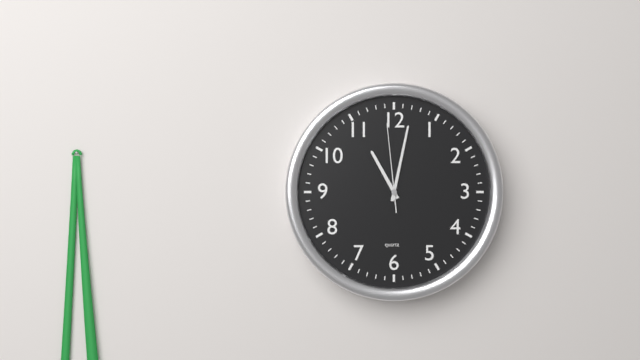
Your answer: 11.02.59
